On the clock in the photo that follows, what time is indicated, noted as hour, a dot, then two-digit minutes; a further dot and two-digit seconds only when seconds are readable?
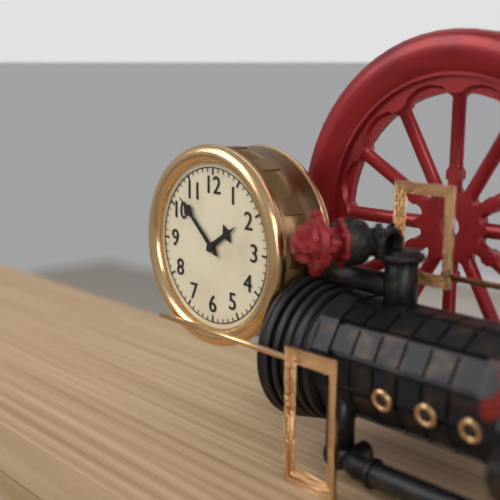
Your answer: 1.52
